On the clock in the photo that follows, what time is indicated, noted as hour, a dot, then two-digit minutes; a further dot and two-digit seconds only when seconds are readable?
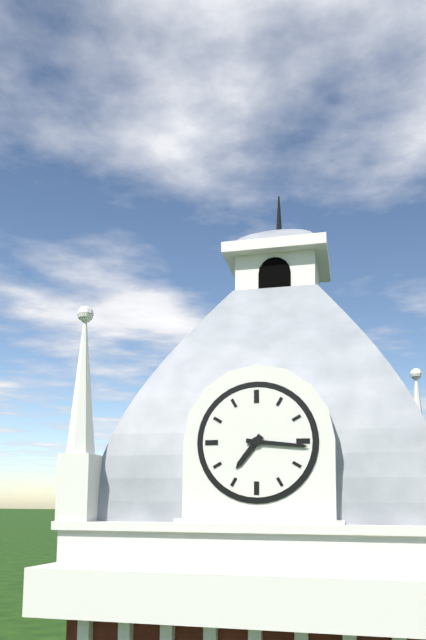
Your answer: 7.16
